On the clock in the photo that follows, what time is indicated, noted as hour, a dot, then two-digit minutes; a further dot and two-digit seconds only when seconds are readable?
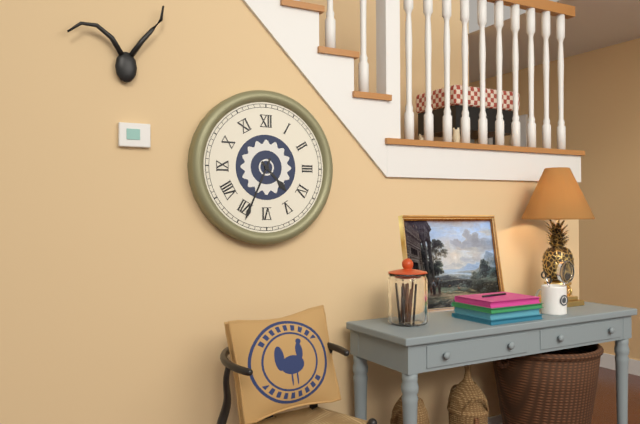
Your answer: 4.34
